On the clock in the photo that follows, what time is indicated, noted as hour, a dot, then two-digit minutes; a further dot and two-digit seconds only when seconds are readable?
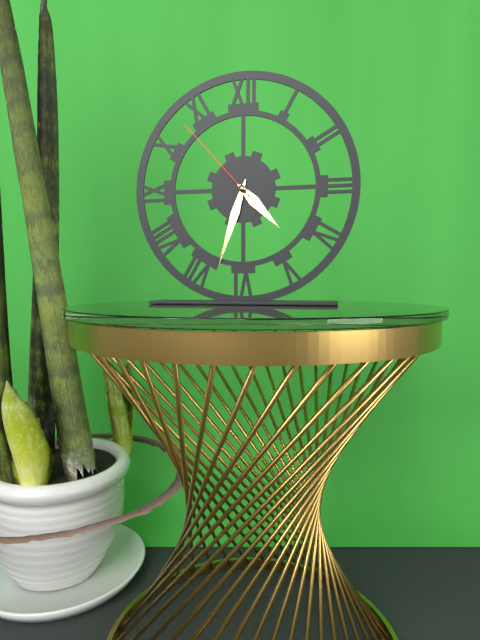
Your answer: 4.33.53
